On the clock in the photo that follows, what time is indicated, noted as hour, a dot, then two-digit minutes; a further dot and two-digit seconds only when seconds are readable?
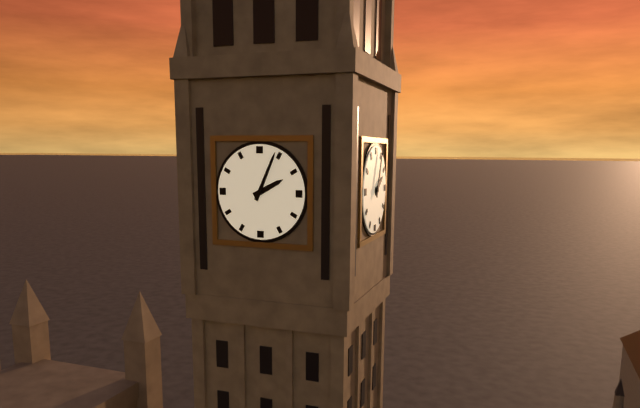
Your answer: 2.04
